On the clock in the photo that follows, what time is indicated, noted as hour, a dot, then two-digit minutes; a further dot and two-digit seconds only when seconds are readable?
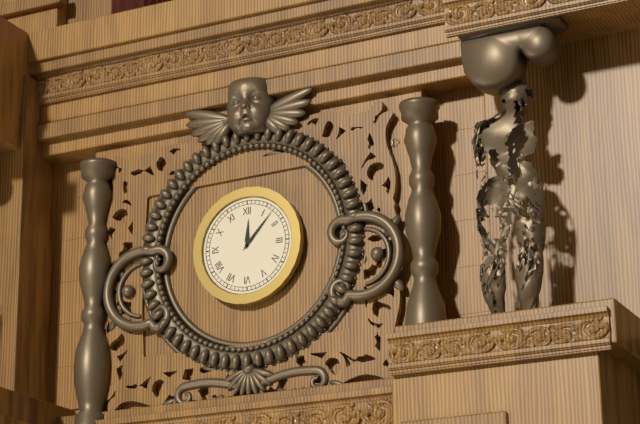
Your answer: 12.07
